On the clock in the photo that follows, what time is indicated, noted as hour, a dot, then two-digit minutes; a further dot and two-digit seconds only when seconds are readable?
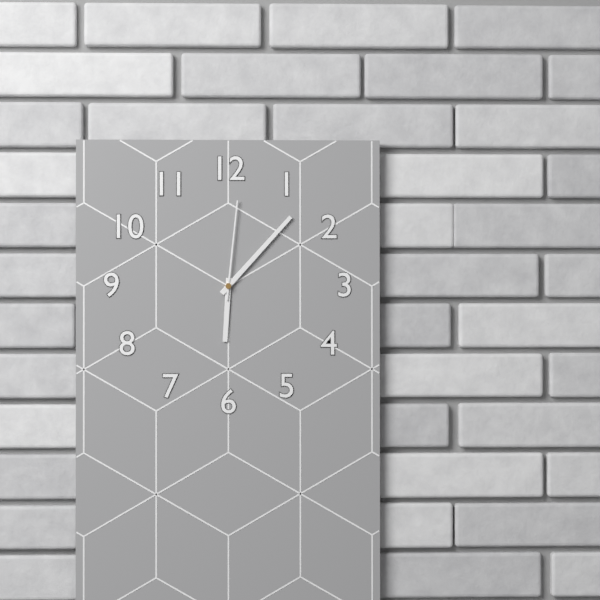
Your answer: 6.07.01
